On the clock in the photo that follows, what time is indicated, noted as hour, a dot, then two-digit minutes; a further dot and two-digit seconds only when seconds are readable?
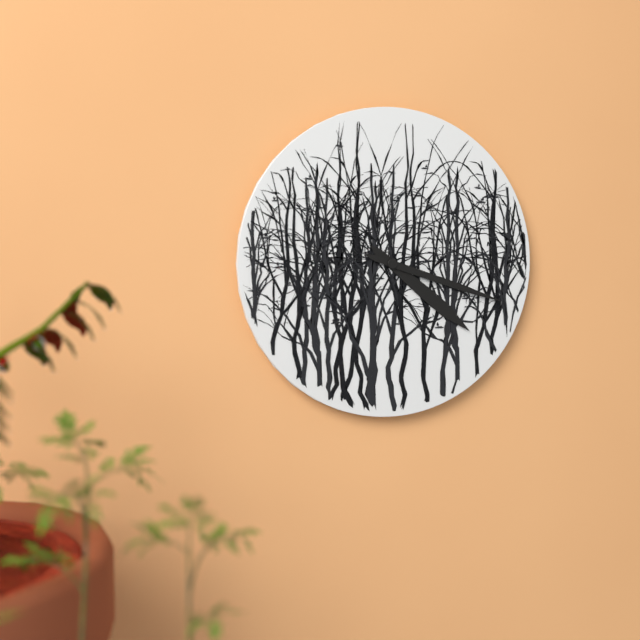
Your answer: 4.18
